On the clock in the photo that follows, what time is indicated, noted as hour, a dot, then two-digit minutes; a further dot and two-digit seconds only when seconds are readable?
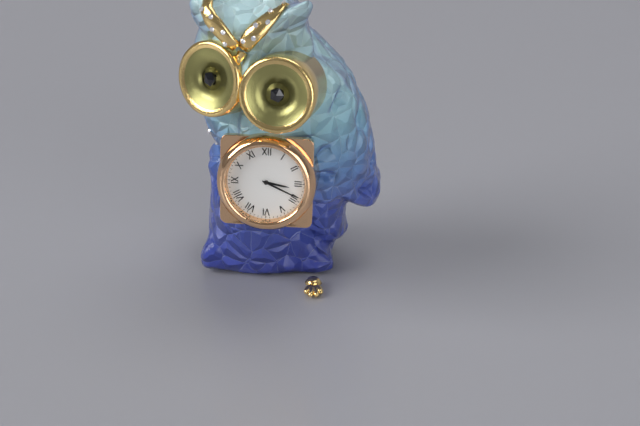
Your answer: 3.19
